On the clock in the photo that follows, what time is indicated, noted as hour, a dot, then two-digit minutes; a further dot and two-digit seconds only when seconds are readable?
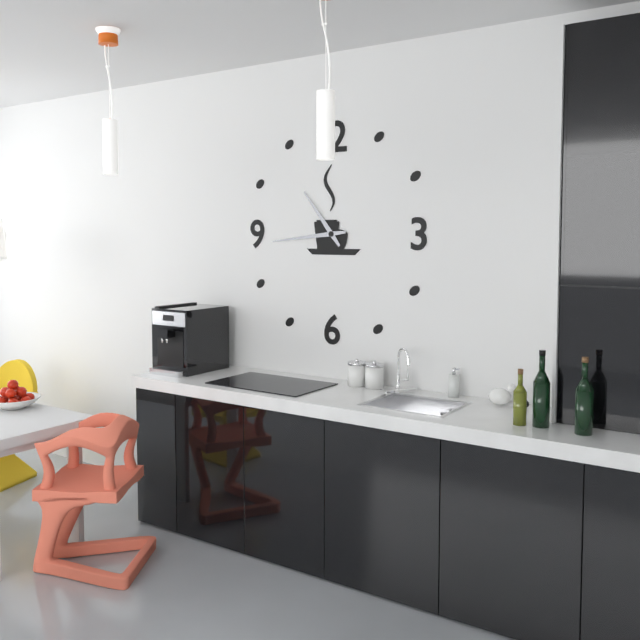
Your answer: 10.44
